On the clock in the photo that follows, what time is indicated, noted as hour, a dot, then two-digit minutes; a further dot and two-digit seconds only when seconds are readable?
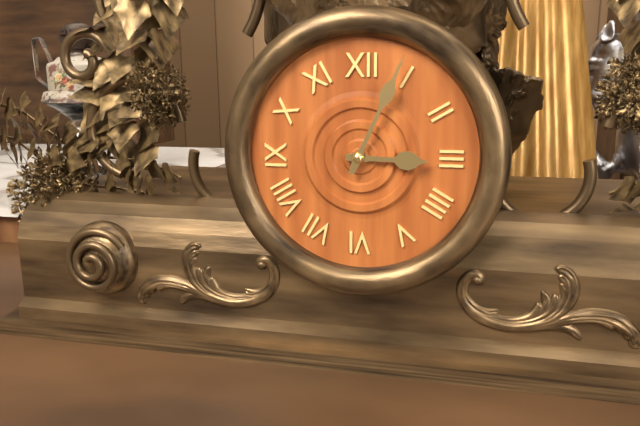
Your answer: 3.04
